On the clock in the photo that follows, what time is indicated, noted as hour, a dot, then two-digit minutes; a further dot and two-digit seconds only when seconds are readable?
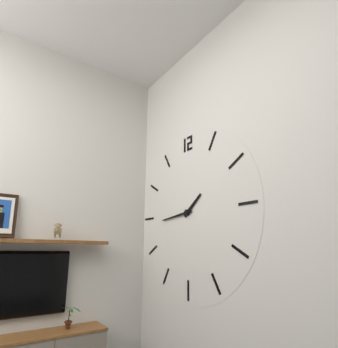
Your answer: 1.44
